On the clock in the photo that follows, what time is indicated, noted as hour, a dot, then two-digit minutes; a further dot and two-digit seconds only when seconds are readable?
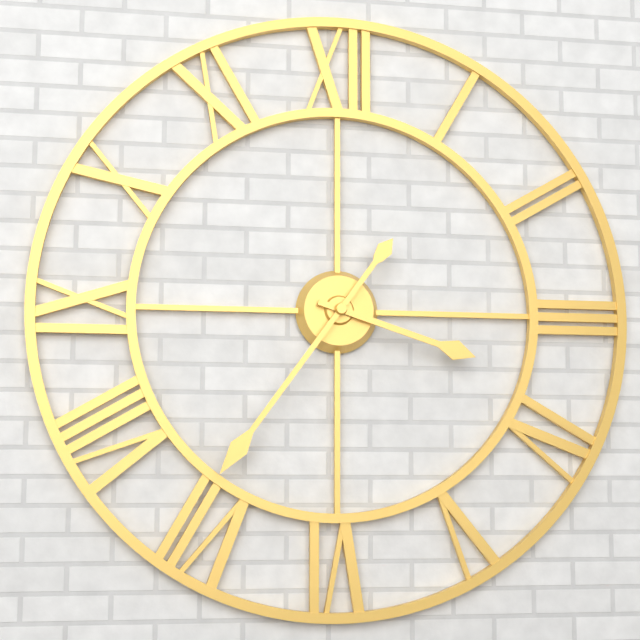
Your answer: 3.36
